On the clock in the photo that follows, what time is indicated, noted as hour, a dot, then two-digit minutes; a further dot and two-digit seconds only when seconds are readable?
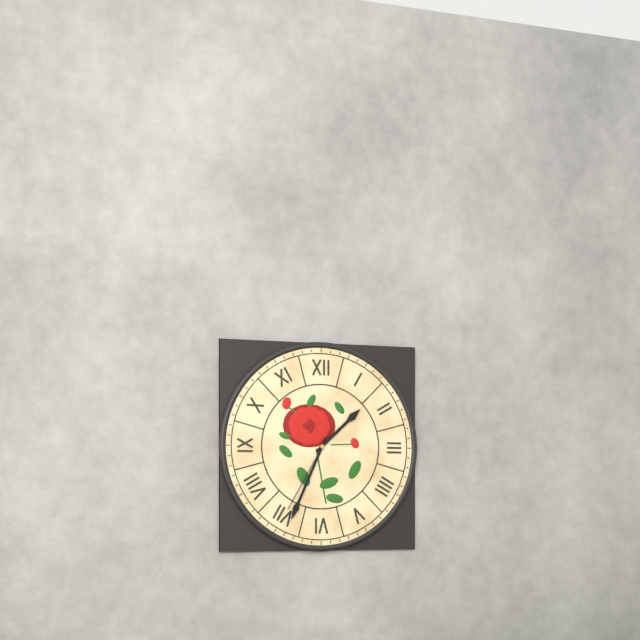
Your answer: 1.34.35
